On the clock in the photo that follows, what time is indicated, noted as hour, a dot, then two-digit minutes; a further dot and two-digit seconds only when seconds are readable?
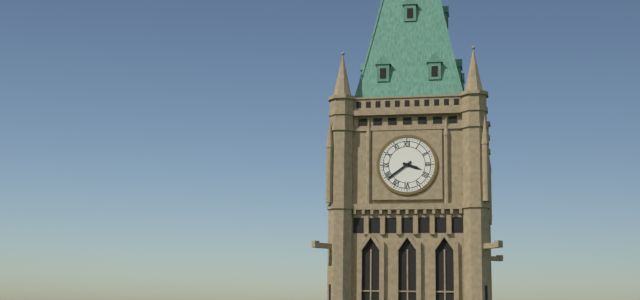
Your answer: 3.39
